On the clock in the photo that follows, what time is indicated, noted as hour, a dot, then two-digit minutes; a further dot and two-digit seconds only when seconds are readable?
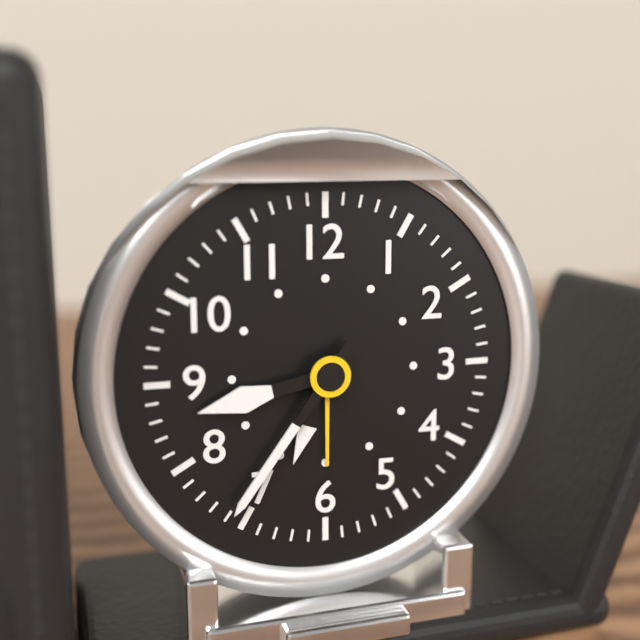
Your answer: 8.36
